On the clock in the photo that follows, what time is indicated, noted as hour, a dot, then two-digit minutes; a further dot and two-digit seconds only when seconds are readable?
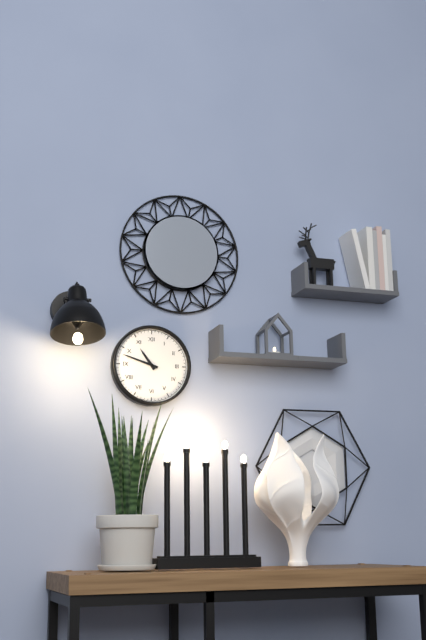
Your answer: 10.48
